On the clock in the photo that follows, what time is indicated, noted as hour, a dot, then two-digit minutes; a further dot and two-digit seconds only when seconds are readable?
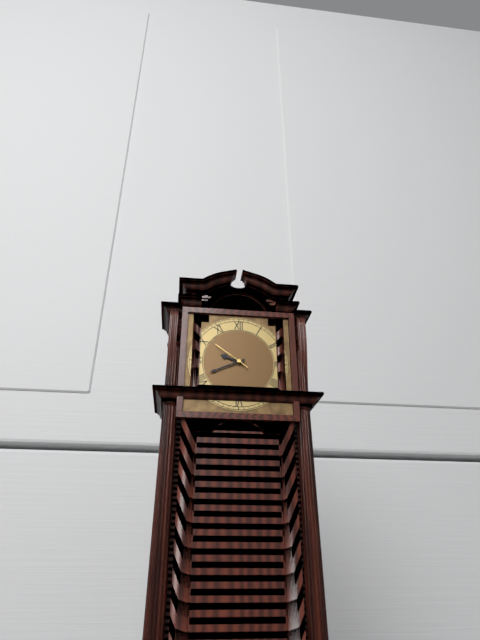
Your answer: 9.41
